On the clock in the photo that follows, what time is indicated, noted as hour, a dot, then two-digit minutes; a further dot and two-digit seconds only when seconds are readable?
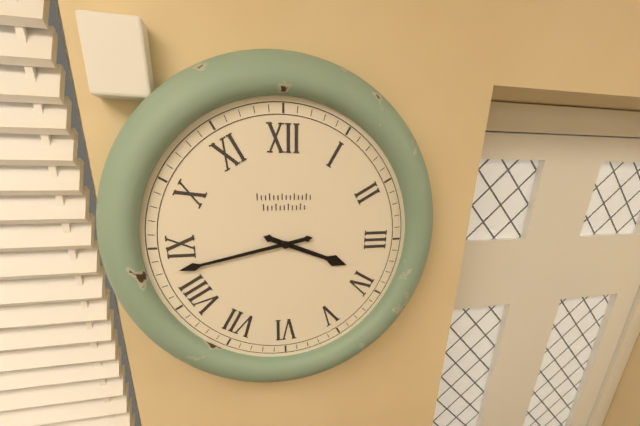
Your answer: 3.43
